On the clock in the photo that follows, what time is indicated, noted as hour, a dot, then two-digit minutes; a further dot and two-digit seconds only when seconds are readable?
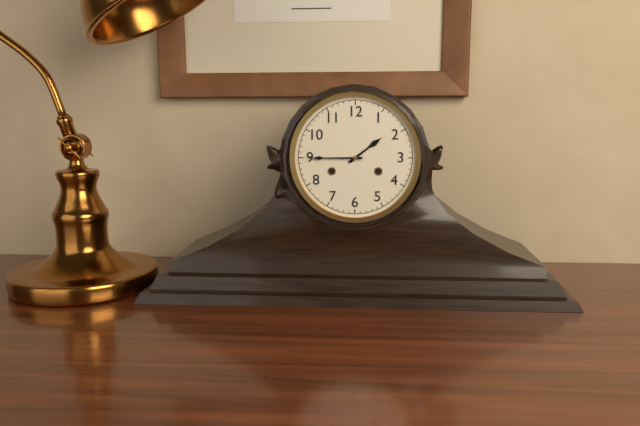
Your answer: 1.45
